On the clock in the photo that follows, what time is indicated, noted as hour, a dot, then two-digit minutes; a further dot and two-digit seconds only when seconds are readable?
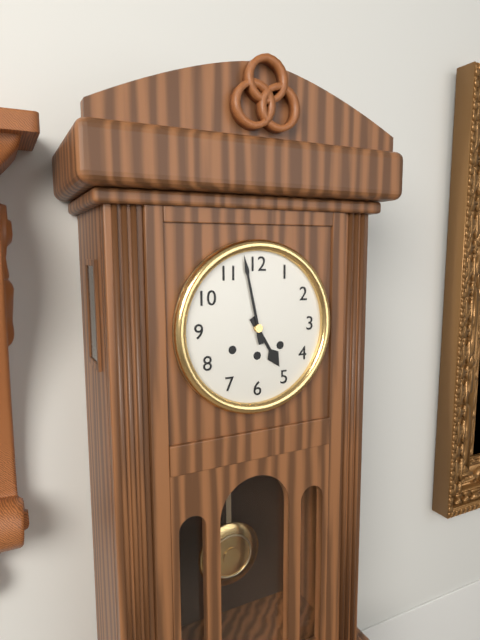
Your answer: 4.58
